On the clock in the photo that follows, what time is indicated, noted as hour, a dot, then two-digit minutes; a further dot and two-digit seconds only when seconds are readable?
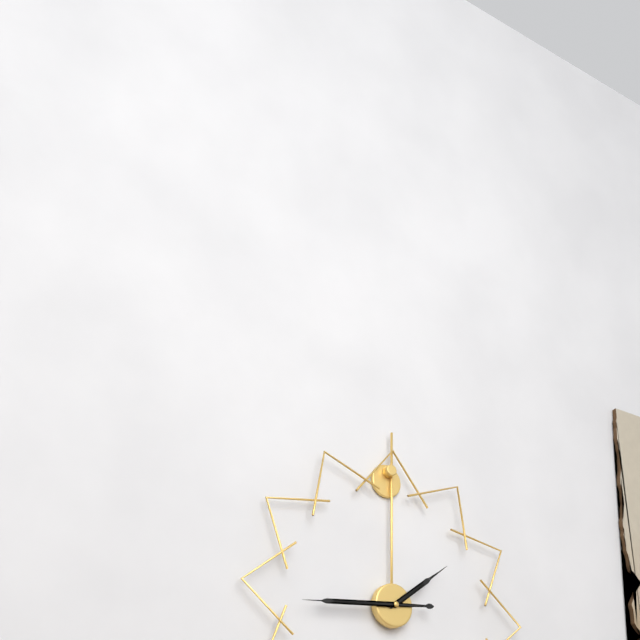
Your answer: 1.44
